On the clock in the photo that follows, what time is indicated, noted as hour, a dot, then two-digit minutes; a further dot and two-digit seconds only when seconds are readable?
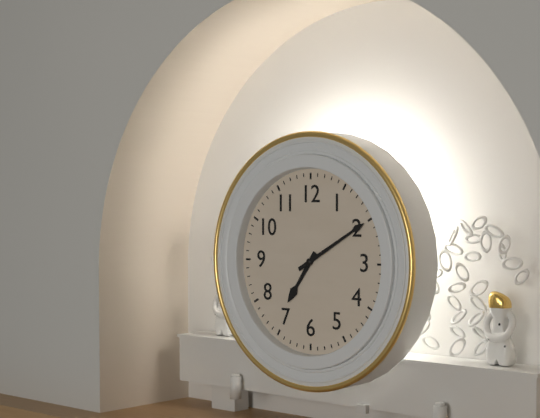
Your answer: 7.10
